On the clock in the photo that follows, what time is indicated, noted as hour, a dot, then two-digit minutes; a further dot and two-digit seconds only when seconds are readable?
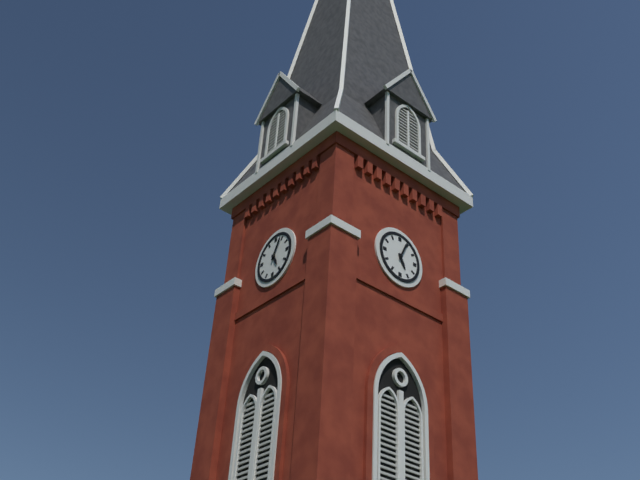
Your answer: 5.04
